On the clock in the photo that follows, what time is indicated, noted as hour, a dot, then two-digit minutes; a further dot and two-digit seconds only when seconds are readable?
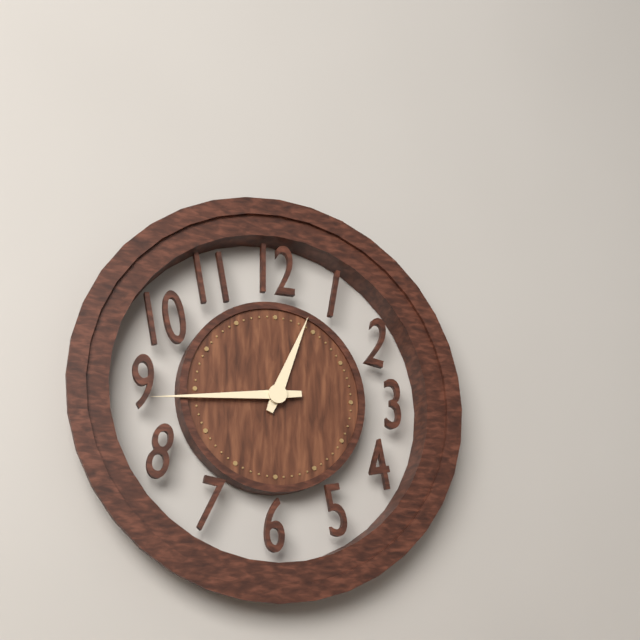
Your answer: 12.44
